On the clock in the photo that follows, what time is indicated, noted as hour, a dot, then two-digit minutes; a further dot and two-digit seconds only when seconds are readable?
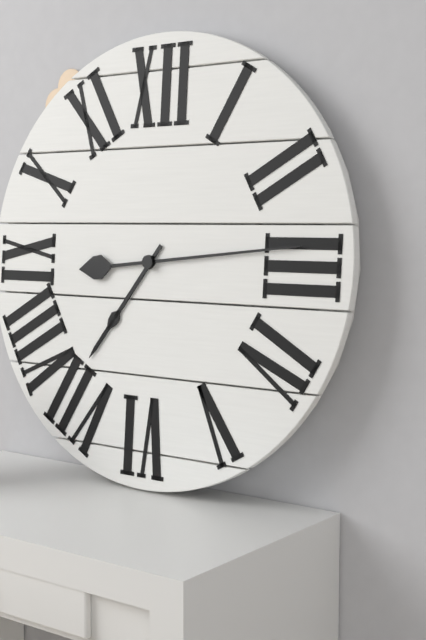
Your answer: 7.14
